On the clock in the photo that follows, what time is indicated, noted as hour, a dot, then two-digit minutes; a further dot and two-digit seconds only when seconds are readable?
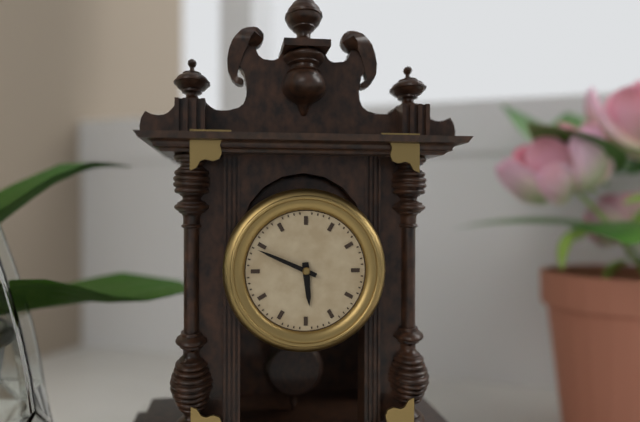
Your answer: 5.49
